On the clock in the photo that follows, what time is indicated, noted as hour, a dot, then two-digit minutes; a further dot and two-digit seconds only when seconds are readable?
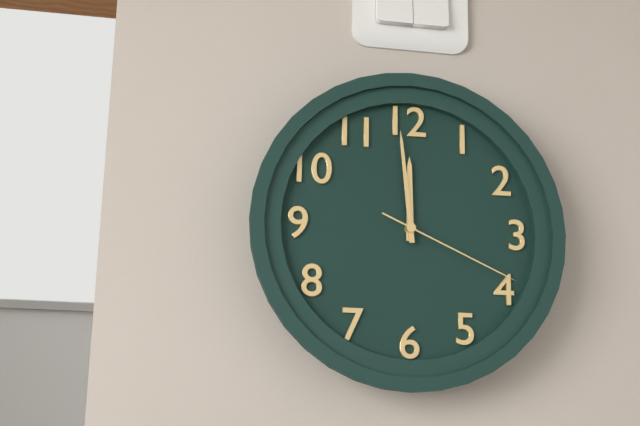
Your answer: 11.59.19
